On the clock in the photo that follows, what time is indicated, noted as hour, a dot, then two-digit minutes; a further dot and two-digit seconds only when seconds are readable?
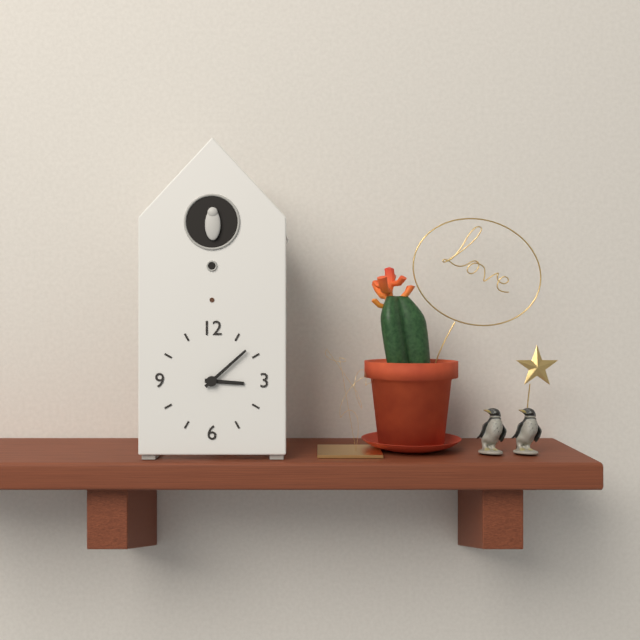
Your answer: 3.08
